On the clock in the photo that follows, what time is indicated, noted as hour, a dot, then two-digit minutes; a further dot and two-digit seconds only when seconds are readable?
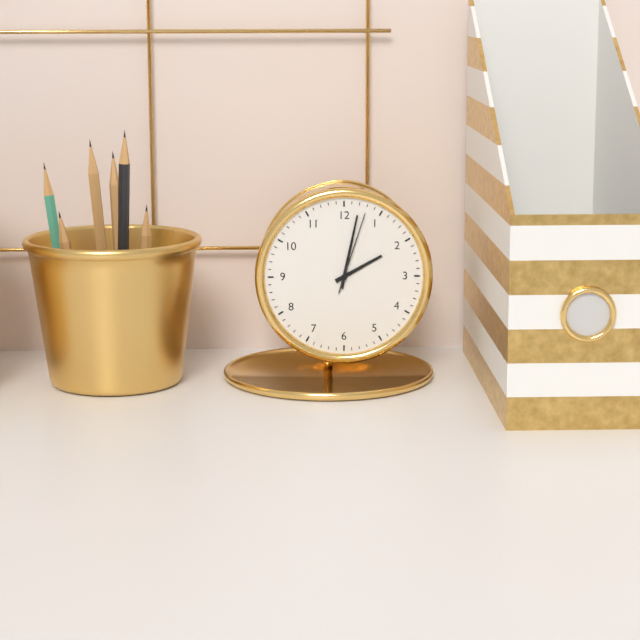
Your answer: 2.02.03
